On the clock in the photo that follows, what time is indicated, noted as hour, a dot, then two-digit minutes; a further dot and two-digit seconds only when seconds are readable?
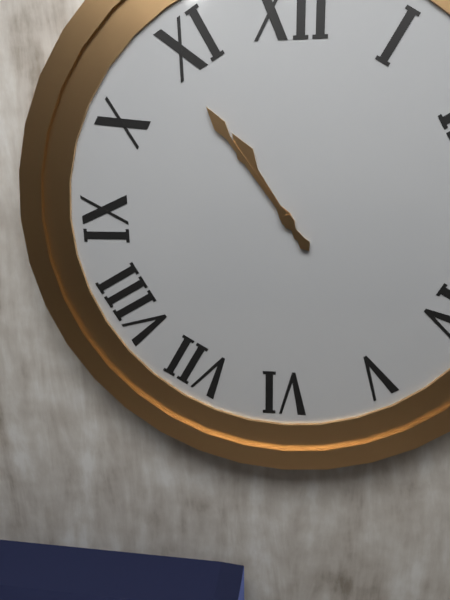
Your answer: 10.54
